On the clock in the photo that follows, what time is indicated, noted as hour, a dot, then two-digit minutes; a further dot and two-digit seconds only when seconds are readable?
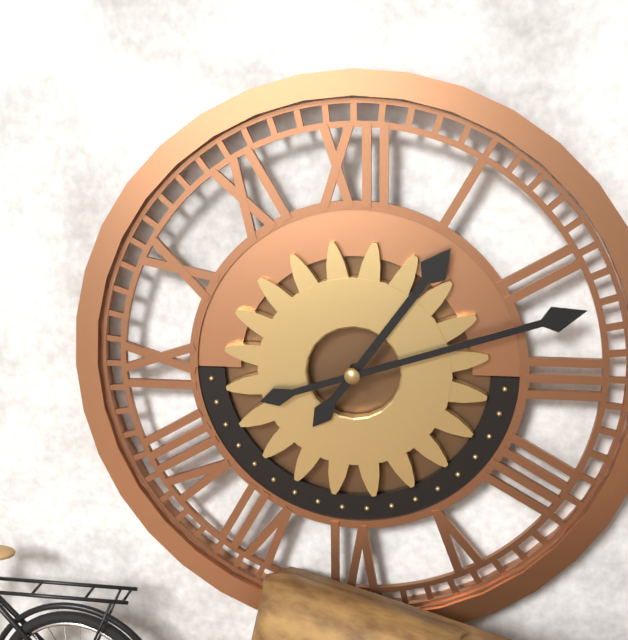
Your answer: 1.12
